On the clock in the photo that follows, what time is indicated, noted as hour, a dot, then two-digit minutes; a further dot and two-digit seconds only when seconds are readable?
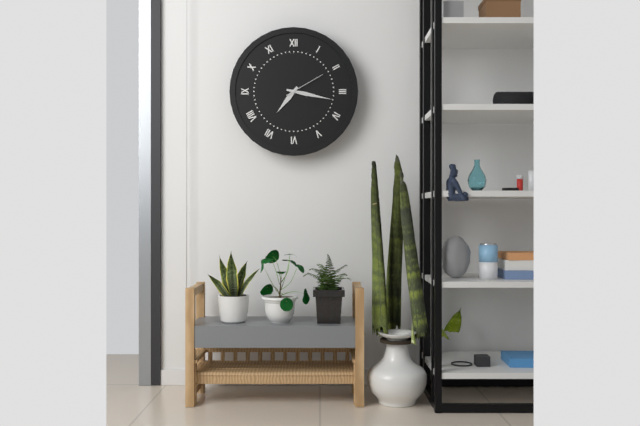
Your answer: 7.17
